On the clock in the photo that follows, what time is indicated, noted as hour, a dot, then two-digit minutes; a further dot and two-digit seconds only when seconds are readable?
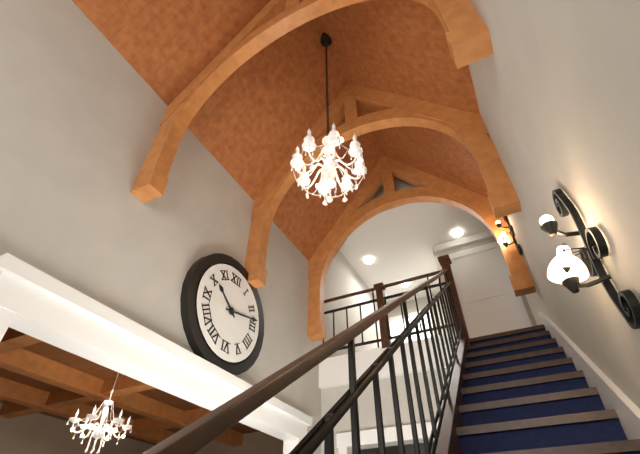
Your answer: 10.13
